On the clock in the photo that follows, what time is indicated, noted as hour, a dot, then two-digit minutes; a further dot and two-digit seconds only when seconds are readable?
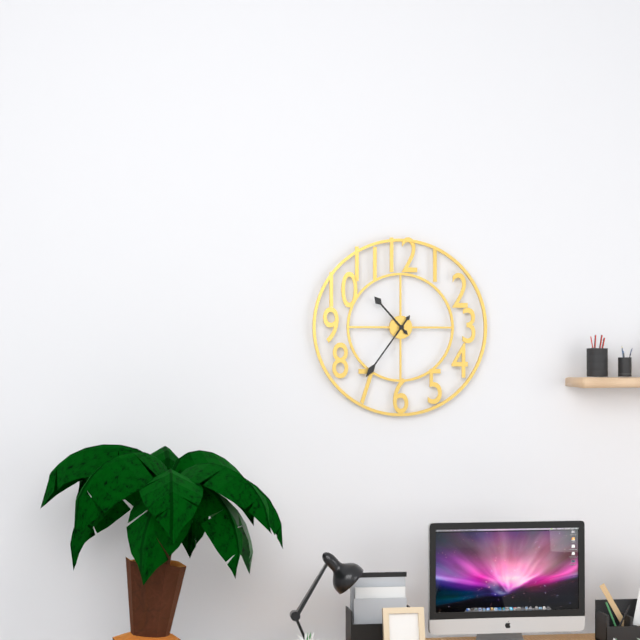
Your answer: 10.36
